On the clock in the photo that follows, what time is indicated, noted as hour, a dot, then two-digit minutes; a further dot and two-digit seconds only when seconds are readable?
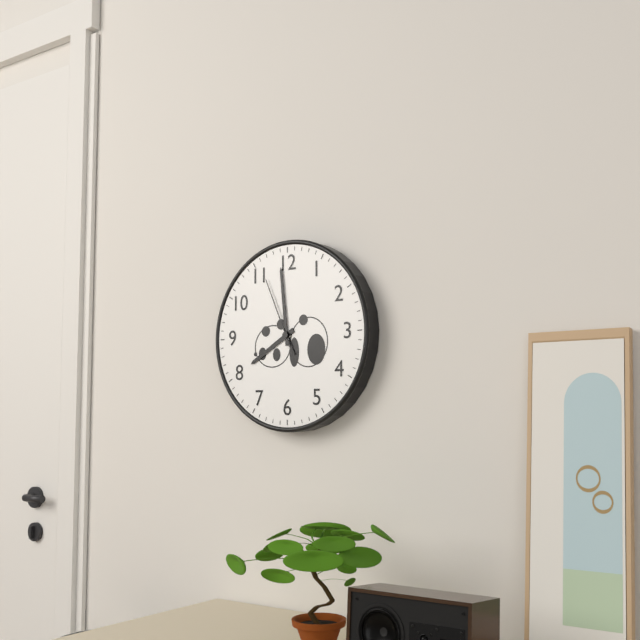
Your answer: 7.59.56
